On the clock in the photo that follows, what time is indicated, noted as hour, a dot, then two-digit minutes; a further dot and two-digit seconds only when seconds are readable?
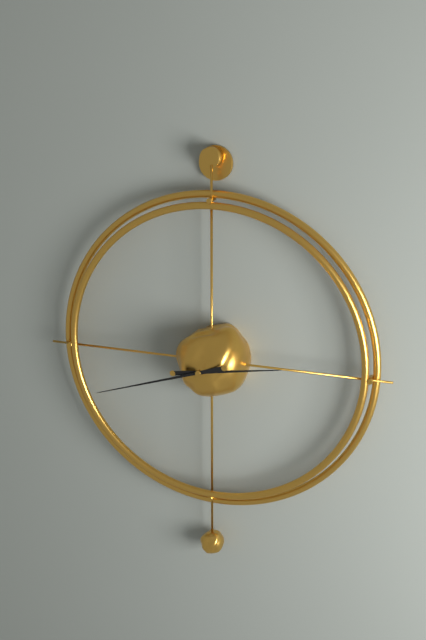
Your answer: 2.42
